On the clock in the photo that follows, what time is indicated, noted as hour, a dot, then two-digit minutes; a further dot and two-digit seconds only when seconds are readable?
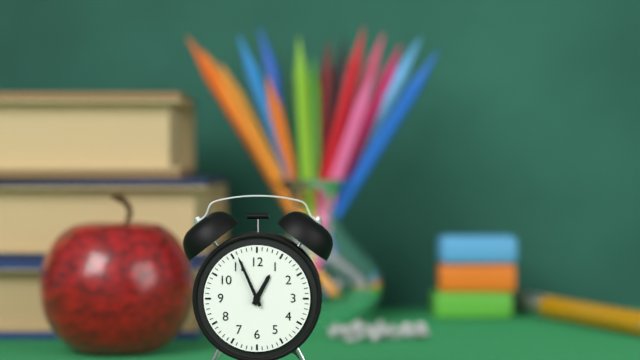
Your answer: 12.56
